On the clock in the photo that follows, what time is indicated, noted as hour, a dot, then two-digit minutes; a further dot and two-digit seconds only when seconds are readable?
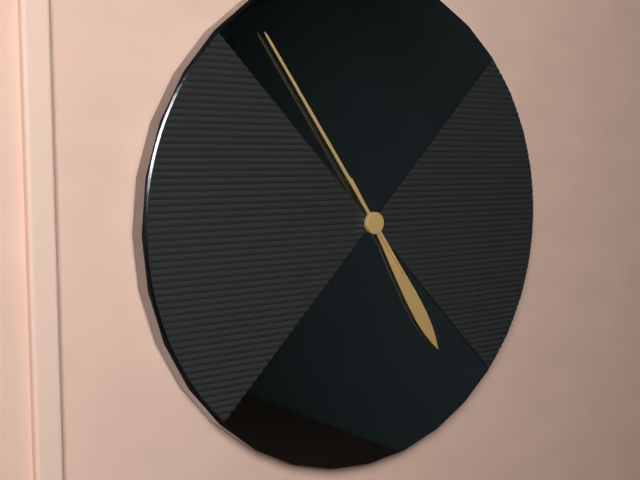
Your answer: 4.54
